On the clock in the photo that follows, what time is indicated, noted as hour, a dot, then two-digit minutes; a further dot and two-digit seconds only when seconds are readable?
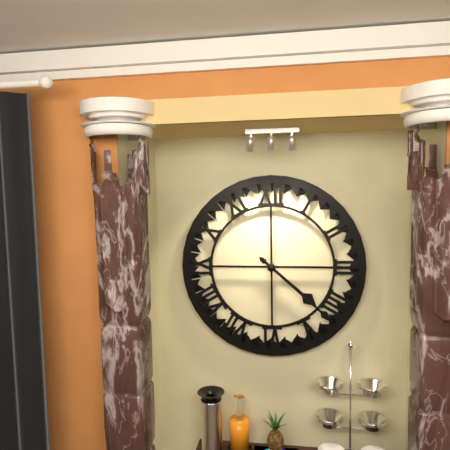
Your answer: 4.22
